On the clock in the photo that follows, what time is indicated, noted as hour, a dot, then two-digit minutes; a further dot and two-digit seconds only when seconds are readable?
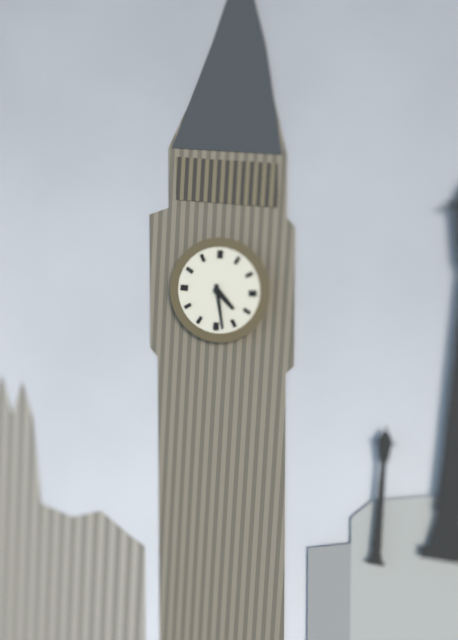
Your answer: 4.28
